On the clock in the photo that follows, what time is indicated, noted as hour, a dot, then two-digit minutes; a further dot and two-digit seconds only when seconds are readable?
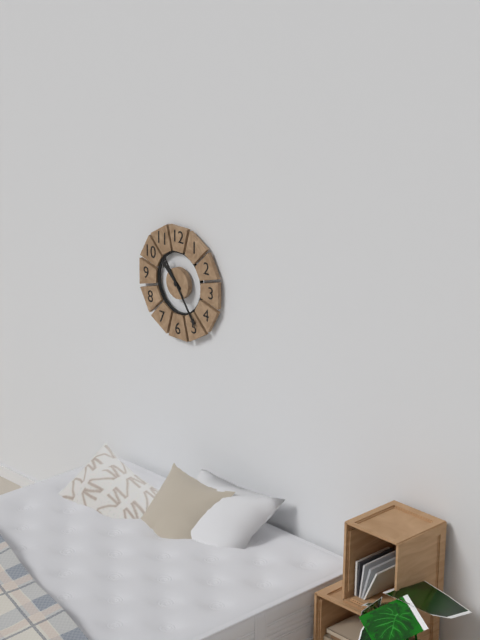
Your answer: 10.24
